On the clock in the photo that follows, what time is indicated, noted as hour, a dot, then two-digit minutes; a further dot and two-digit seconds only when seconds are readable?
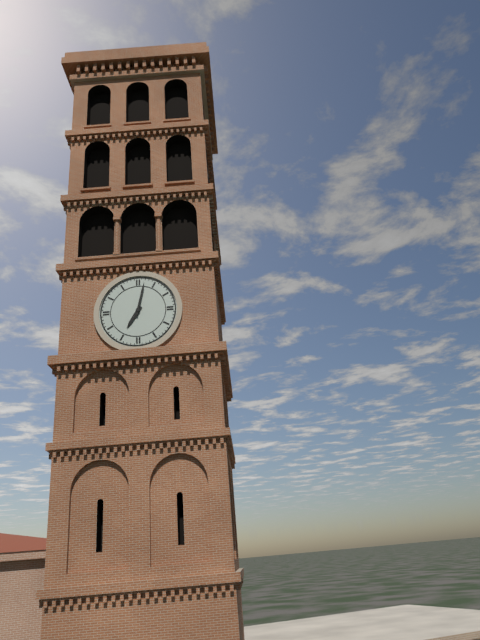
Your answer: 7.02
